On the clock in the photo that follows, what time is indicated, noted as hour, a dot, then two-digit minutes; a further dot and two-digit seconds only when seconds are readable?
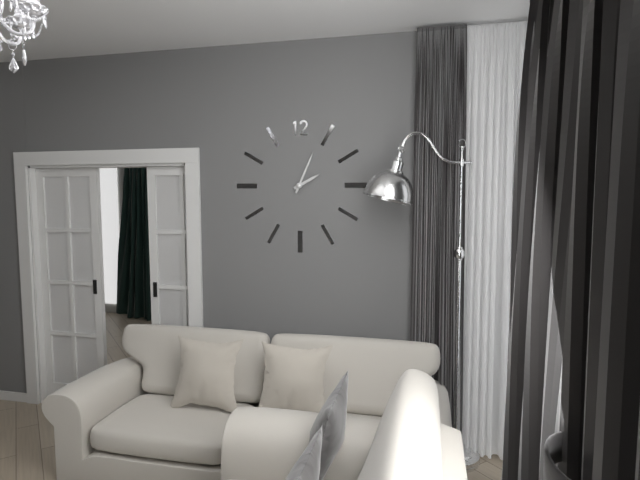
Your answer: 2.04
